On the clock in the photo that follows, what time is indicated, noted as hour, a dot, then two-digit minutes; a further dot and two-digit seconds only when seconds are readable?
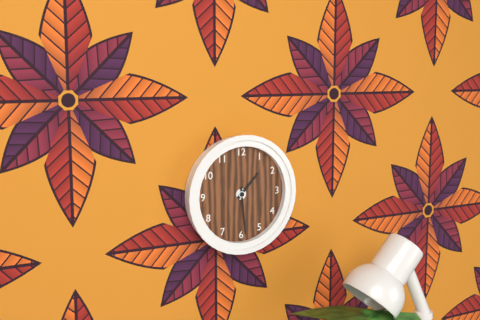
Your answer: 1.29
